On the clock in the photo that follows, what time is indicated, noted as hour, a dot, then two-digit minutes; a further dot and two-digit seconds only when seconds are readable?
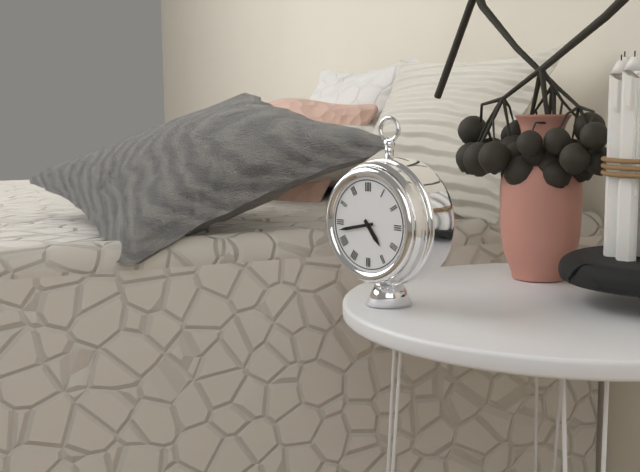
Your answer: 4.43
